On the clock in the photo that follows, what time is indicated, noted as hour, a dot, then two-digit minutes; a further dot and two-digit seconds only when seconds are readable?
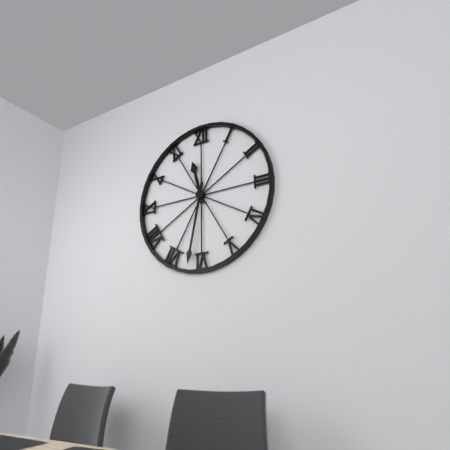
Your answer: 11.32
